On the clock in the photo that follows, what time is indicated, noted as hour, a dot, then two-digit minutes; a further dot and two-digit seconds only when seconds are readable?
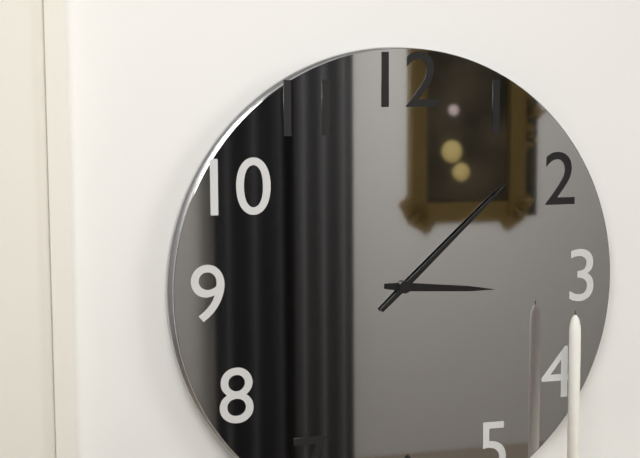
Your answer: 3.08
